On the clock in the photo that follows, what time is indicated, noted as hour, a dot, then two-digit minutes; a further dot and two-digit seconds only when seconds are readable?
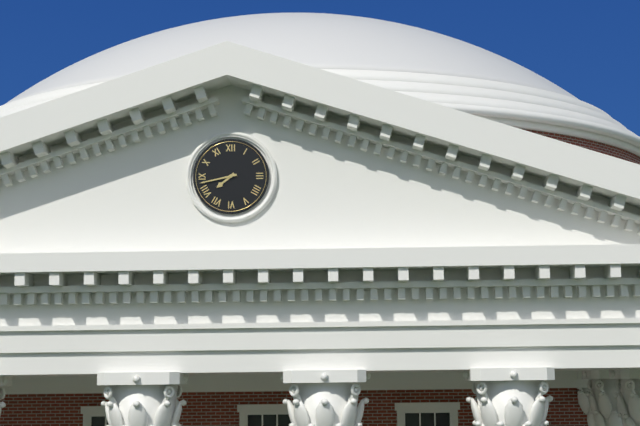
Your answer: 7.43
